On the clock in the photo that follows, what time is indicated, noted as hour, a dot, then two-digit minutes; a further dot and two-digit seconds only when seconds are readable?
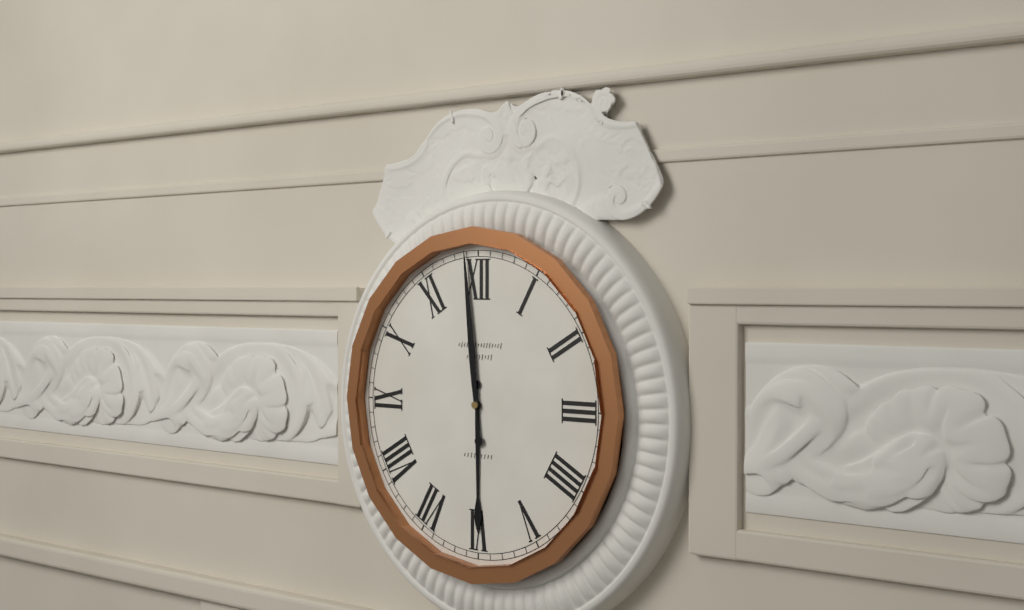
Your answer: 5.59
